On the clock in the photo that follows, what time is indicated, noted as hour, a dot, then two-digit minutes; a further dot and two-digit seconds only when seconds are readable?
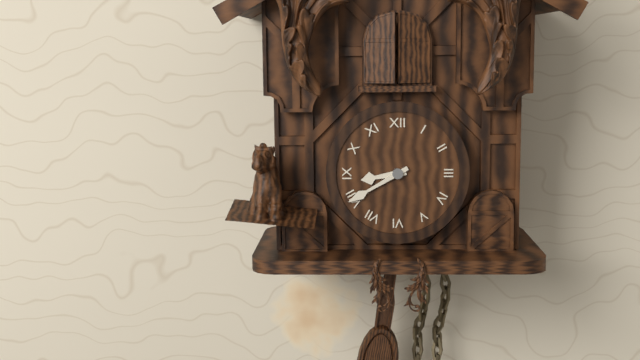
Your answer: 8.40
